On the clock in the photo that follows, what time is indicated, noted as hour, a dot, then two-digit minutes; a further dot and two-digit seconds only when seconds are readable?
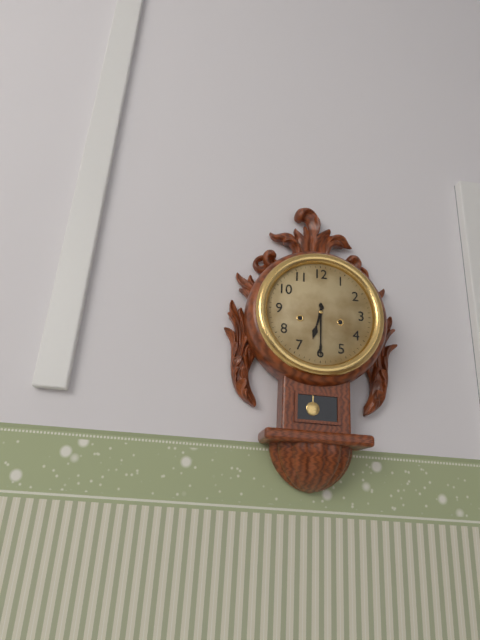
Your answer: 6.30
